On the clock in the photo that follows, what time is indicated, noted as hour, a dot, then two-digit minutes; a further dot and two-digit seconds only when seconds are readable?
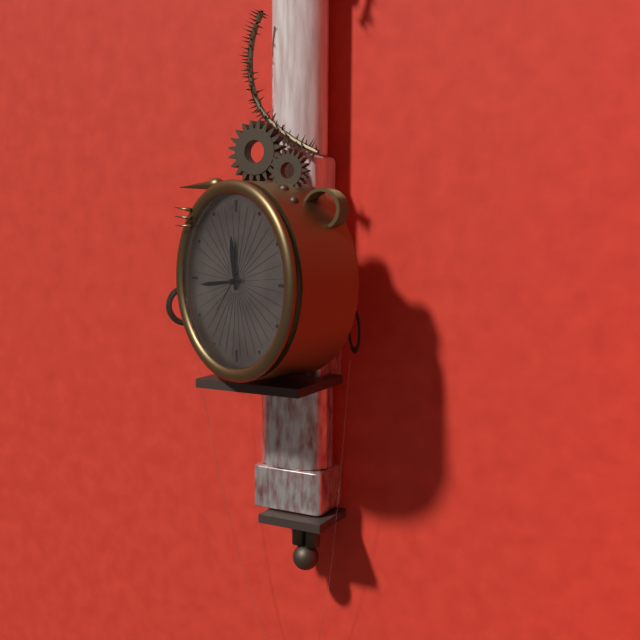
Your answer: 11.44
